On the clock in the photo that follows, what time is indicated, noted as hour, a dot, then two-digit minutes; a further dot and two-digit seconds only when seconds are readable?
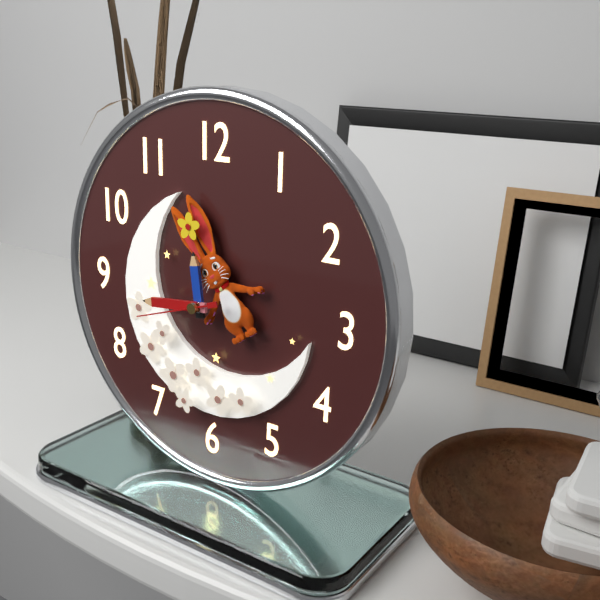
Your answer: 11.44.42
